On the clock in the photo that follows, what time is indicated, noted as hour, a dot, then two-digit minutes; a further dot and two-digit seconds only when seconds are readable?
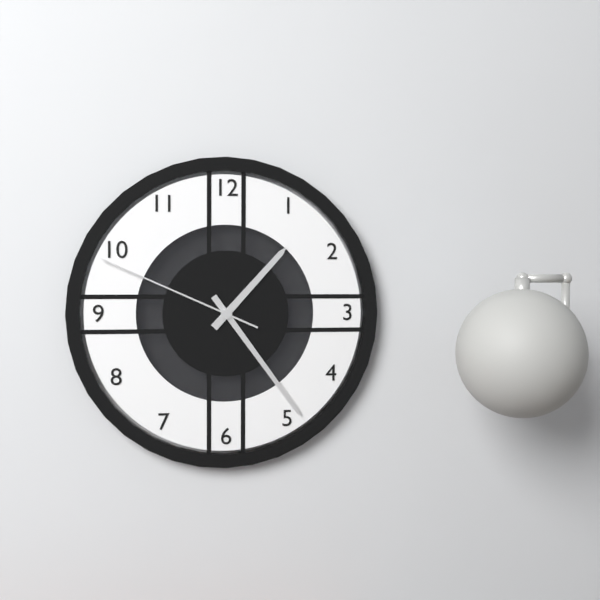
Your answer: 1.24.49
